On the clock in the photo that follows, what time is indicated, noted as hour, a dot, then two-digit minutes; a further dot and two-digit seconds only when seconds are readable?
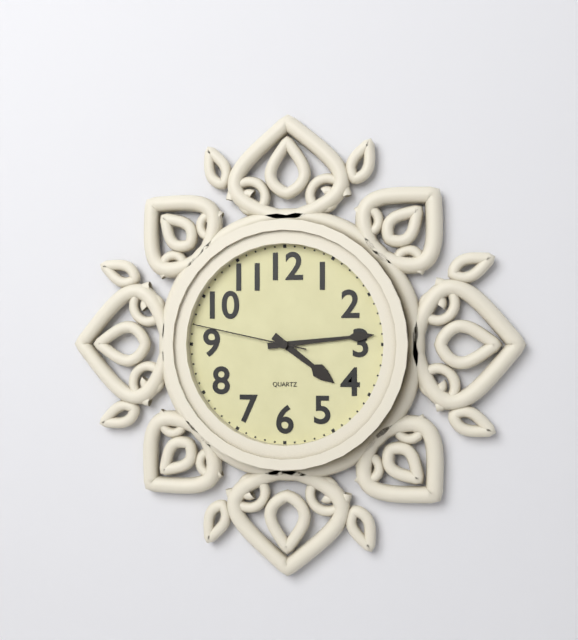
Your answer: 4.14.47
